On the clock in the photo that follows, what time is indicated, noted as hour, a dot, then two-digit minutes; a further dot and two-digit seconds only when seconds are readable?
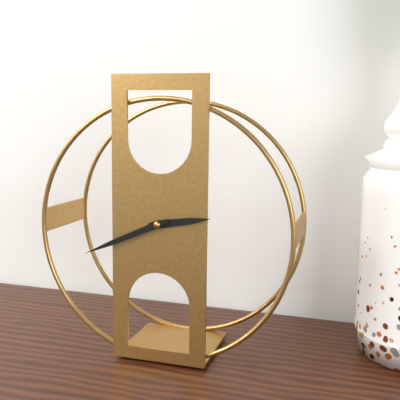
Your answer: 2.41
